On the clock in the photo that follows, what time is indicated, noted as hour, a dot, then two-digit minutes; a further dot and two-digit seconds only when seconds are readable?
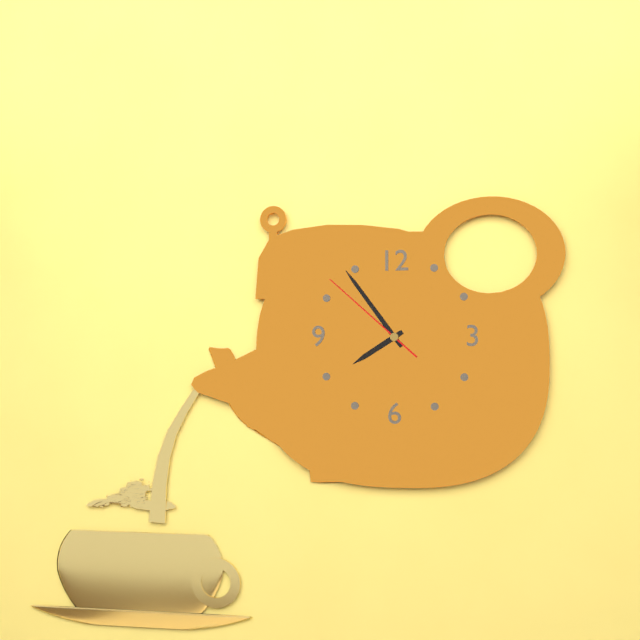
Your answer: 7.54.52
